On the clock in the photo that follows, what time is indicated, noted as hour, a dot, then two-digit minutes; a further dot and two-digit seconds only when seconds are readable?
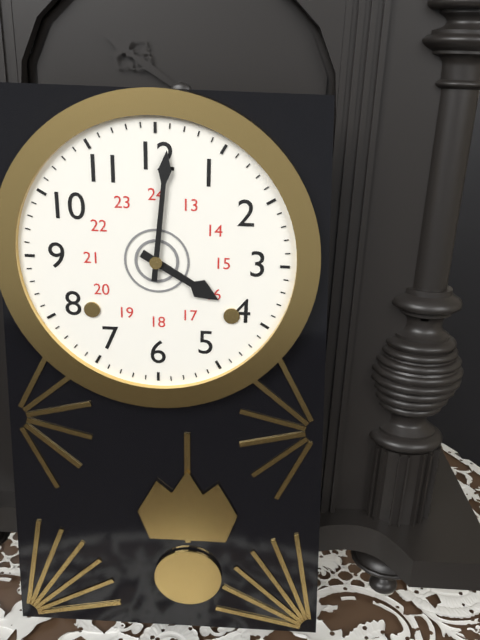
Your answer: 4.01
